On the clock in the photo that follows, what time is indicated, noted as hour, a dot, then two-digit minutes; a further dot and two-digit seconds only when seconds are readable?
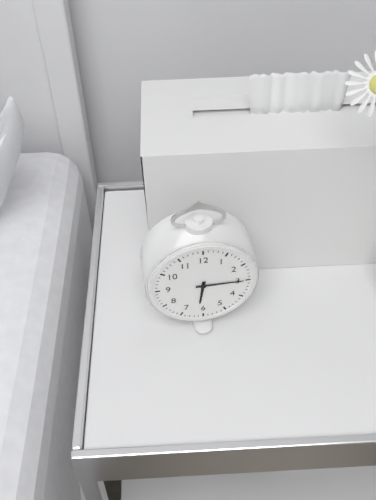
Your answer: 6.15
